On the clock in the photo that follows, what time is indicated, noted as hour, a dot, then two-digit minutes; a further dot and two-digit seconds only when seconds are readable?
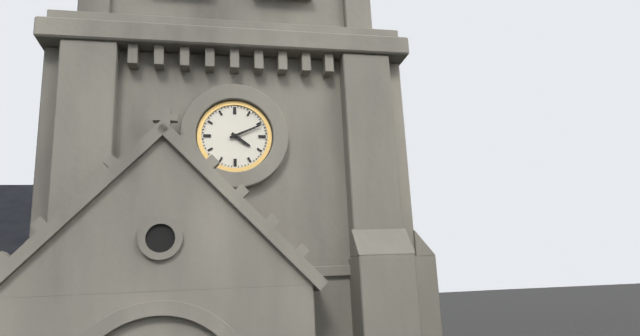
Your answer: 4.11
